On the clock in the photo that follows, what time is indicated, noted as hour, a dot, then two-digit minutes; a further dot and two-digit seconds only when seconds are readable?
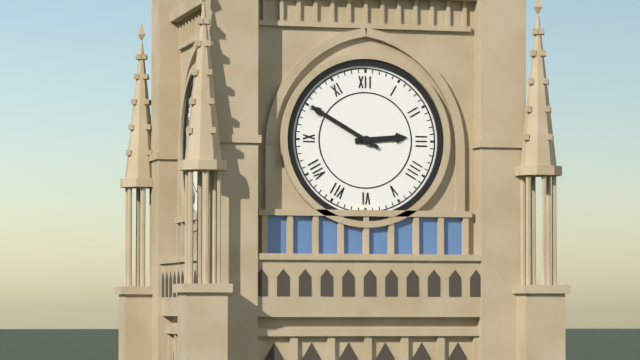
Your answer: 2.50
